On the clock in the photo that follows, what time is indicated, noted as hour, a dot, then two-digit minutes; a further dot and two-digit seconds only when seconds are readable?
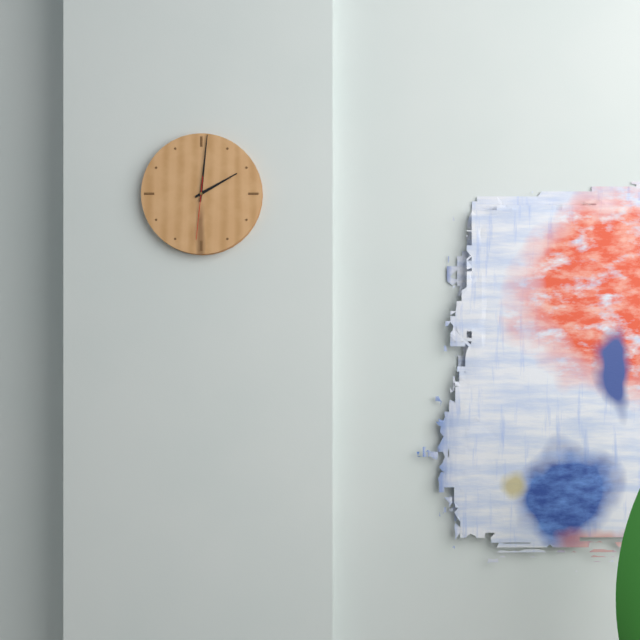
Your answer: 2.01.31
